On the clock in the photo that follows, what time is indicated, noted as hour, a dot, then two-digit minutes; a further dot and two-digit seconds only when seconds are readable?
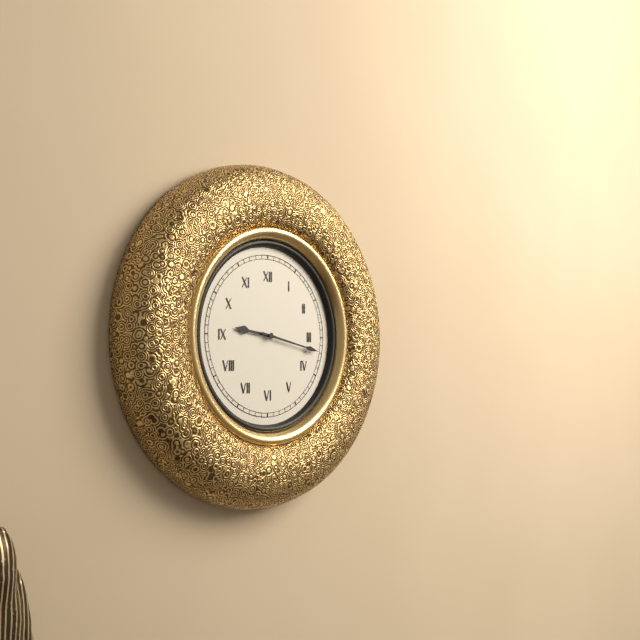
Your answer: 9.17
